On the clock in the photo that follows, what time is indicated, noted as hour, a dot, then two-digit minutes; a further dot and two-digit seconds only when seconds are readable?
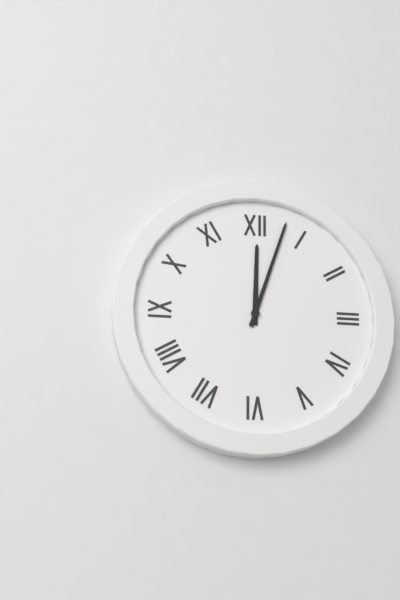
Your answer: 12.03
